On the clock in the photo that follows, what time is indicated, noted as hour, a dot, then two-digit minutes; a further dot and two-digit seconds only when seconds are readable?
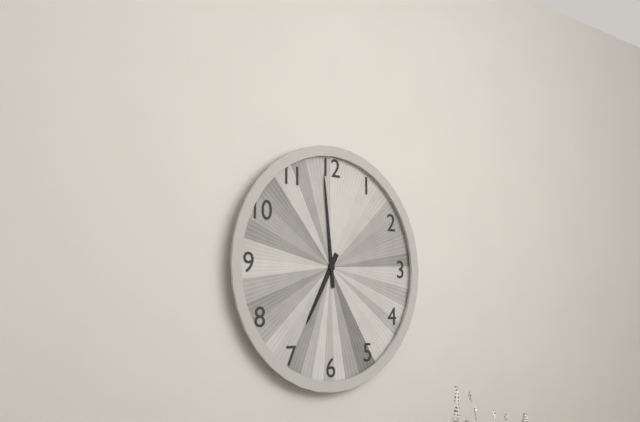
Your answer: 6.59
